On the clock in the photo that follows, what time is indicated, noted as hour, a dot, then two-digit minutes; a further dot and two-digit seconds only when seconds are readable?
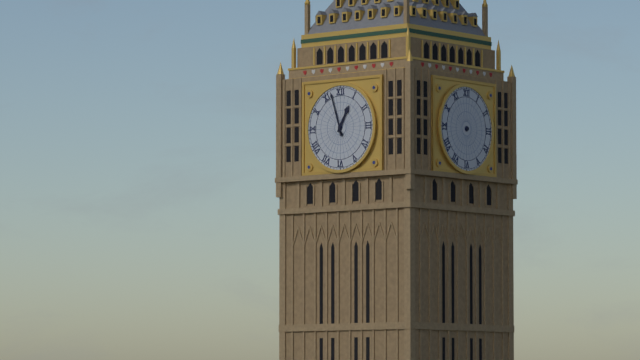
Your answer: 12.57
